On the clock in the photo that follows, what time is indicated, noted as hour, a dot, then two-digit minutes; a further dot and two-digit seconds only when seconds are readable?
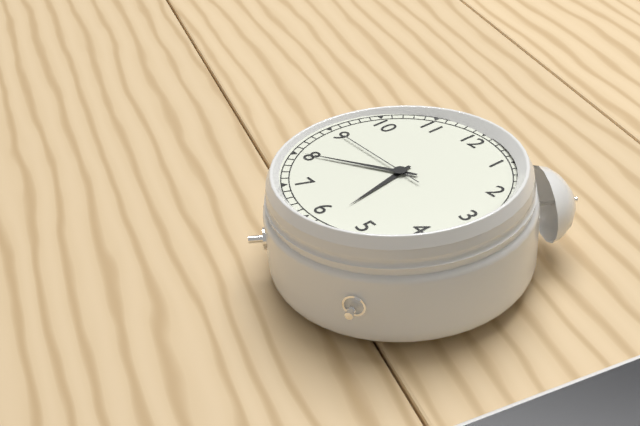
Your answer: 5.40.45
